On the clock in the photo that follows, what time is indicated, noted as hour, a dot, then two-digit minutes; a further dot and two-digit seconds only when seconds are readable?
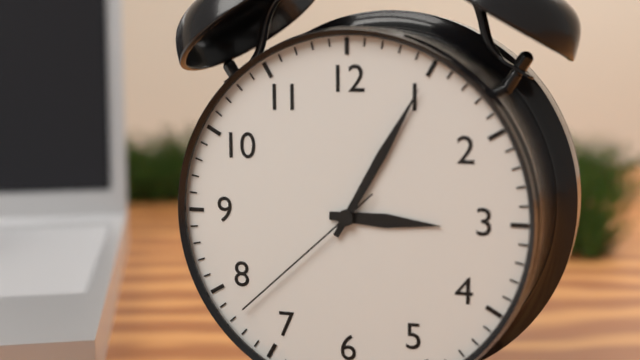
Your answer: 3.05.38
